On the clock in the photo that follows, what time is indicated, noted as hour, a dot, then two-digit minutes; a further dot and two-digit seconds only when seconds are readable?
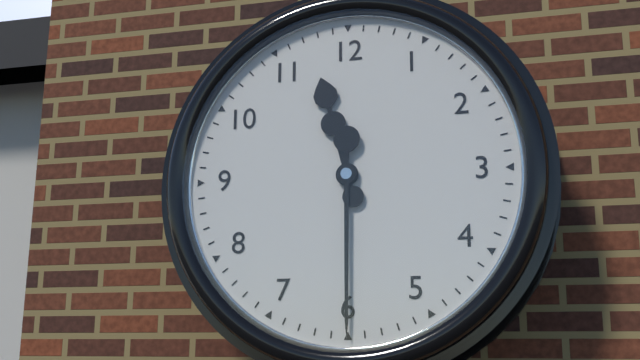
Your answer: 11.30
